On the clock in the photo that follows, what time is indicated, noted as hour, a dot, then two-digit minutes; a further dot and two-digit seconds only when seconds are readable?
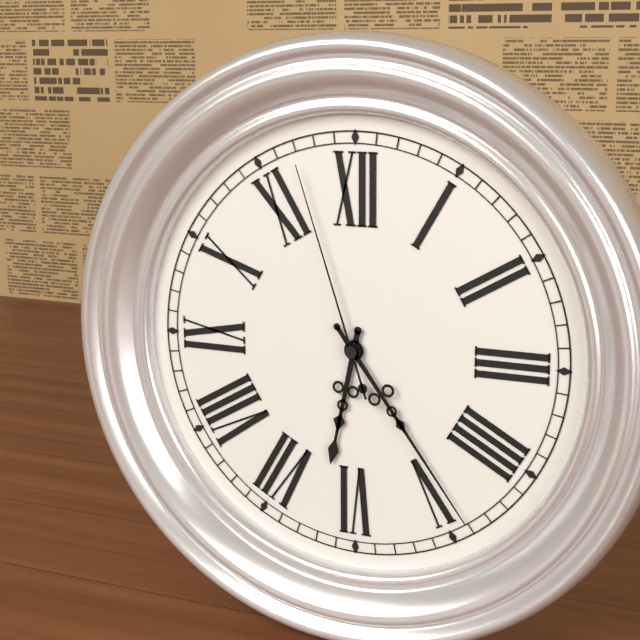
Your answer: 6.24.57
